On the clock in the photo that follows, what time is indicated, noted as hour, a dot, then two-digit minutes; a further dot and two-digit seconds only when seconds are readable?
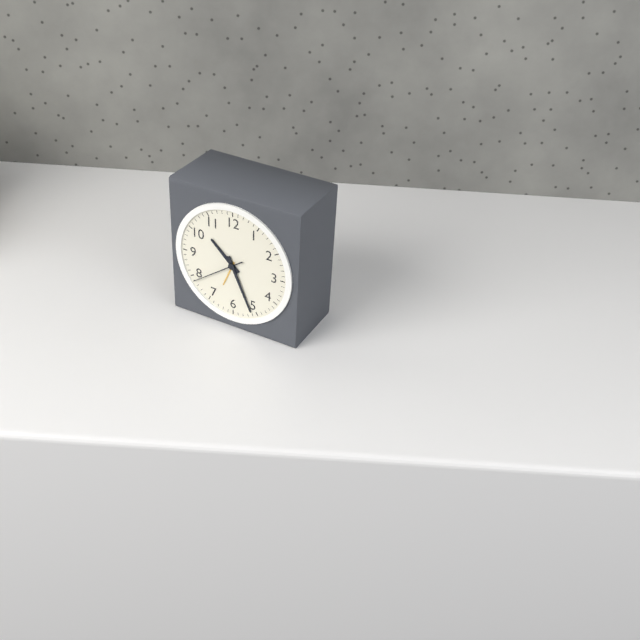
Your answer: 10.26.39
